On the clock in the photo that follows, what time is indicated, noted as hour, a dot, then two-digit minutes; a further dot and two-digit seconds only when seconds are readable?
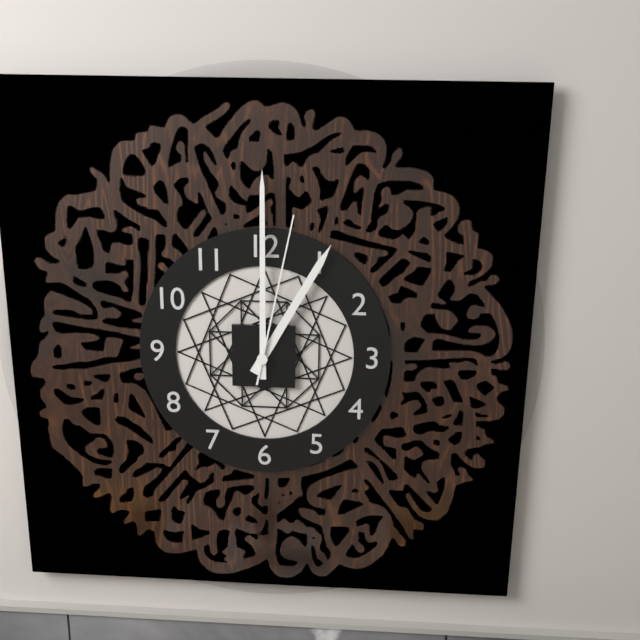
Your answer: 1.00.02
